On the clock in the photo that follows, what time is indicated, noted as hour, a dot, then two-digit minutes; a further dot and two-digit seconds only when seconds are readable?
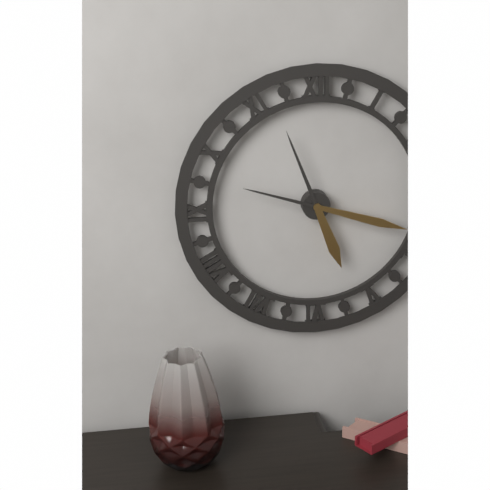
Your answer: 5.18
